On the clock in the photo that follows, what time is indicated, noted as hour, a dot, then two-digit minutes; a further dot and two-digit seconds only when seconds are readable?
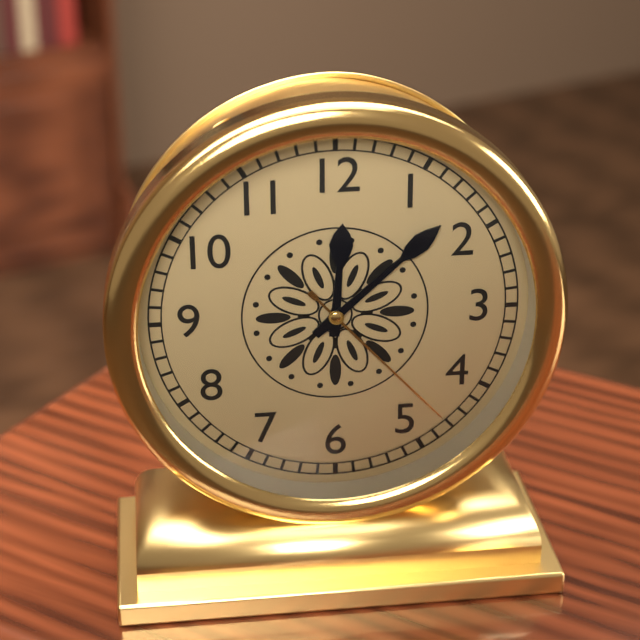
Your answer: 12.08.23
